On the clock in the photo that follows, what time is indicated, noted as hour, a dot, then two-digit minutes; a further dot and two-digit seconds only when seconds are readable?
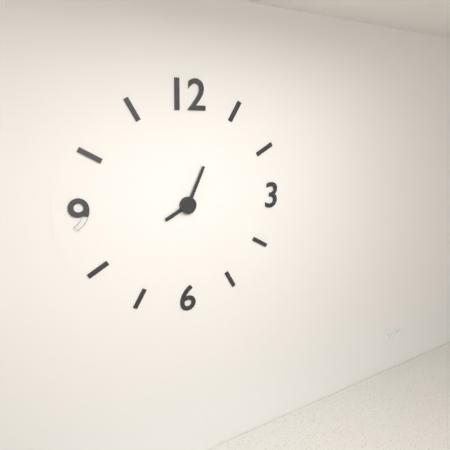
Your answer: 8.04
